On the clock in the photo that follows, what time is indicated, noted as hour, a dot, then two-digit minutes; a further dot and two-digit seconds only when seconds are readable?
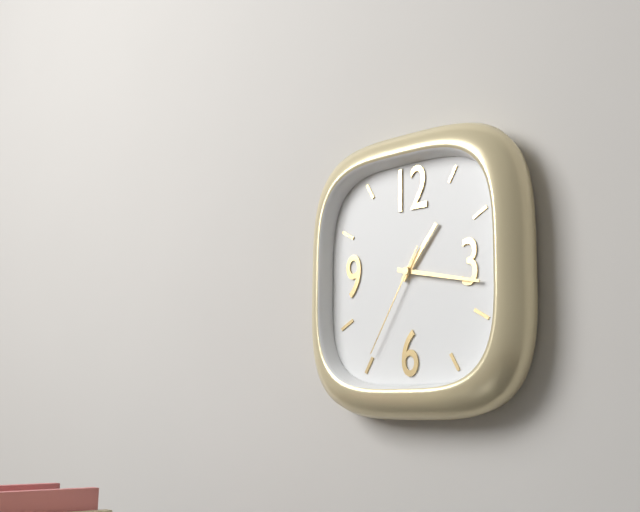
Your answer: 1.17.35
